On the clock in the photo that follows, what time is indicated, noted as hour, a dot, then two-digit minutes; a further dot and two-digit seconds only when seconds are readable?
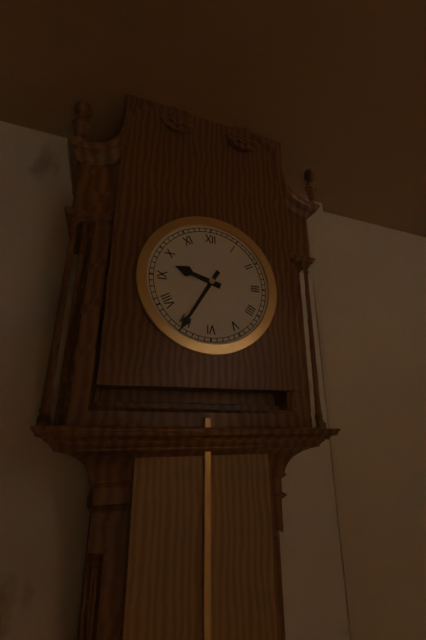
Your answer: 9.35
